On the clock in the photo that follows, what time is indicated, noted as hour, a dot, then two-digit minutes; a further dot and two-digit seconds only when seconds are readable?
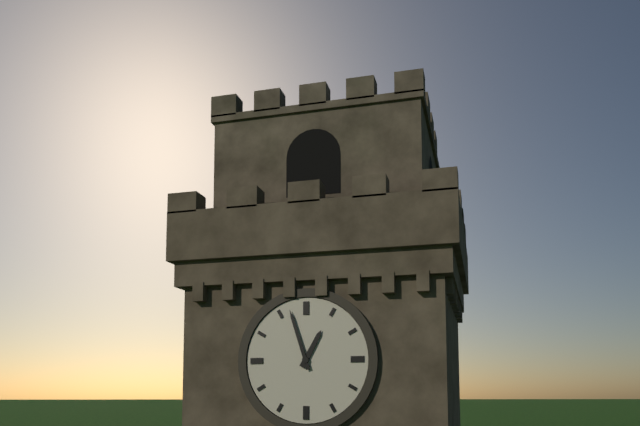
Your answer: 12.57
